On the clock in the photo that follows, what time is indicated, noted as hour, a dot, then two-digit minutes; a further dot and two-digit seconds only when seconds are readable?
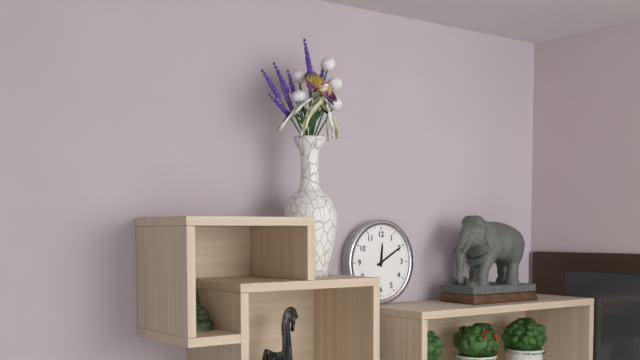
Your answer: 12.10
